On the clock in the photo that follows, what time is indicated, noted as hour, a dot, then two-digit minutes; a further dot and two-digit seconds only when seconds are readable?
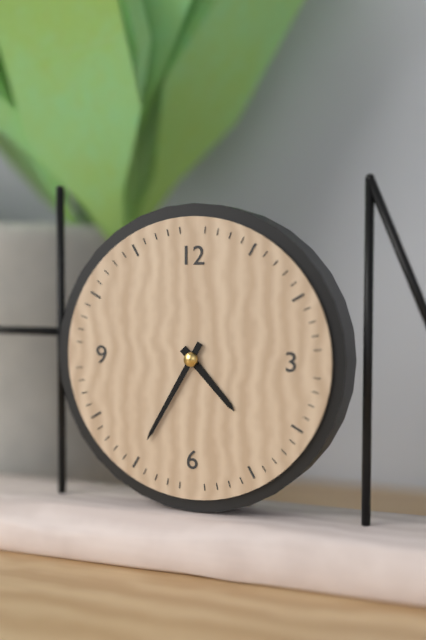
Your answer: 4.35
